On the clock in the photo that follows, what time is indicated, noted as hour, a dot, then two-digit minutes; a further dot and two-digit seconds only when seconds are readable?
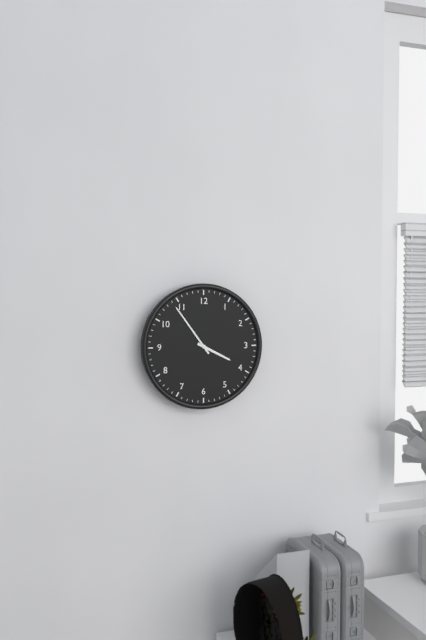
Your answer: 3.54
